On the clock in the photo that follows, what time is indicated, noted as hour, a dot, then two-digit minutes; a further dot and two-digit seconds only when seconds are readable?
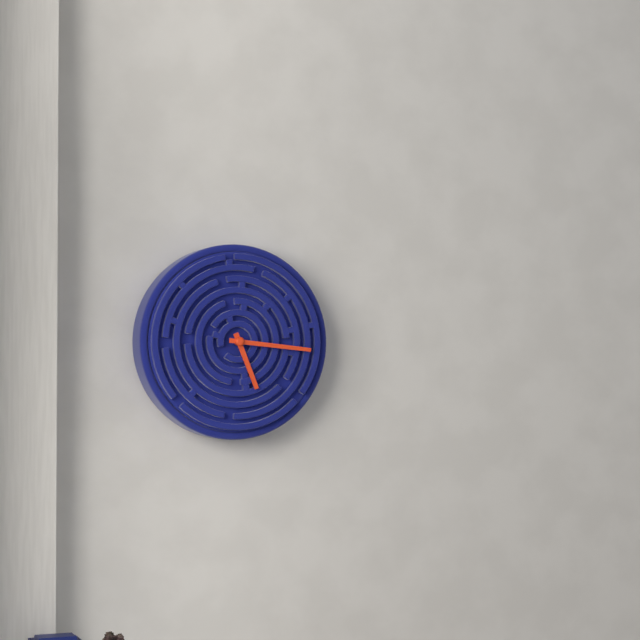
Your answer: 5.16
